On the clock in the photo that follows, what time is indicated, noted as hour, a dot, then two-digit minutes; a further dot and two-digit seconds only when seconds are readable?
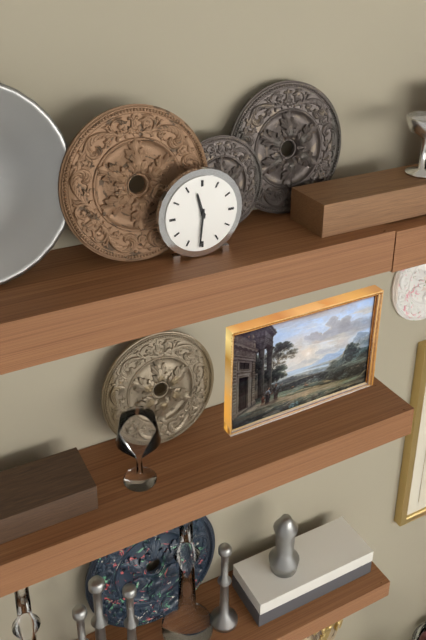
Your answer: 11.31
